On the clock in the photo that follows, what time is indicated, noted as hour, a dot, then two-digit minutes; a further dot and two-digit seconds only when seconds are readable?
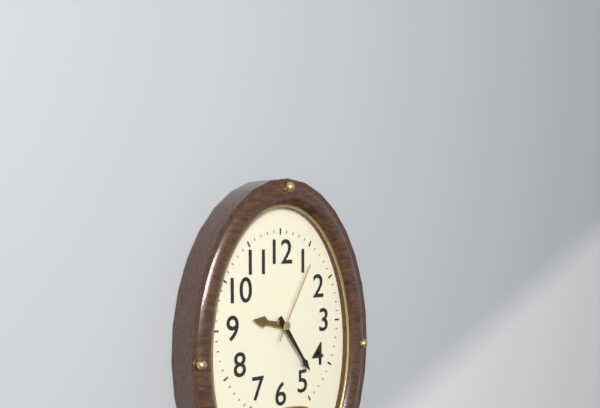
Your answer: 9.24.05
